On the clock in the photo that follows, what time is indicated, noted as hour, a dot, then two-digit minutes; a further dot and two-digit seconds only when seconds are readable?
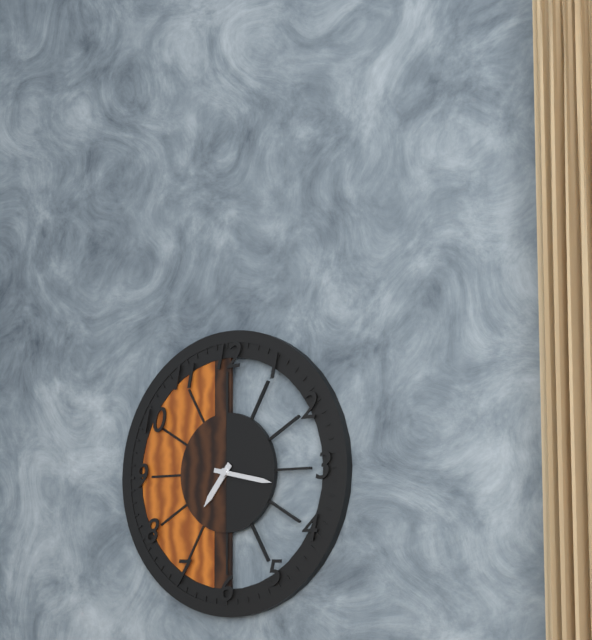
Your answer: 7.17
